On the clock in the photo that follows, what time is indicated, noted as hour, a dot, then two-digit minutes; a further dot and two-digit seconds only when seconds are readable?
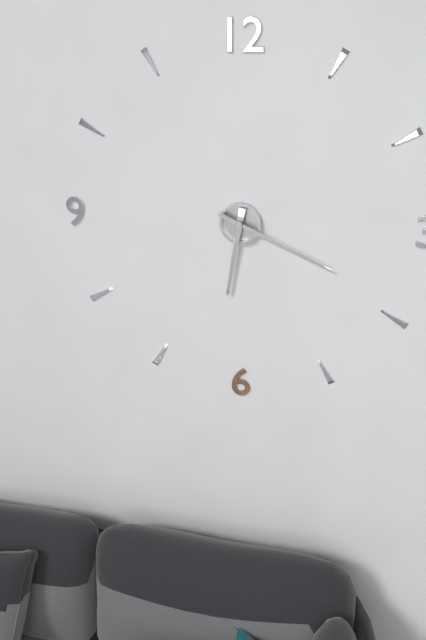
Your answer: 6.19
